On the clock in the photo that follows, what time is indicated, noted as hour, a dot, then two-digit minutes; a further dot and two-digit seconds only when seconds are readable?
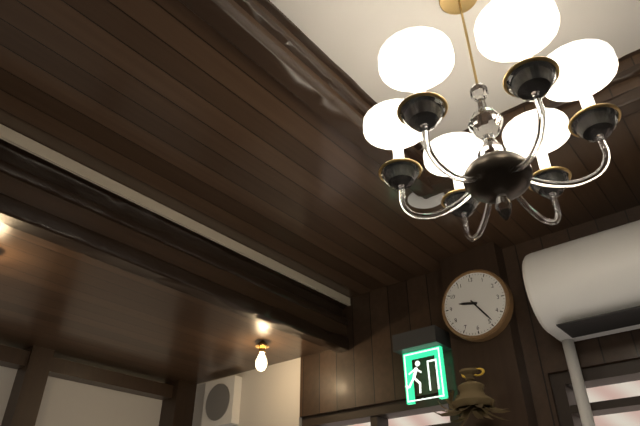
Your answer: 9.24
